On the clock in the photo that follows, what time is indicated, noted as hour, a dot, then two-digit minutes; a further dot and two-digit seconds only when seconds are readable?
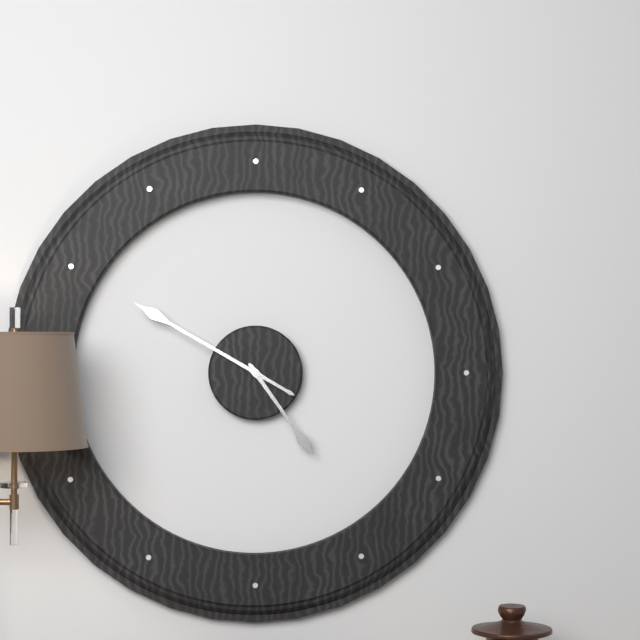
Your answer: 4.50
